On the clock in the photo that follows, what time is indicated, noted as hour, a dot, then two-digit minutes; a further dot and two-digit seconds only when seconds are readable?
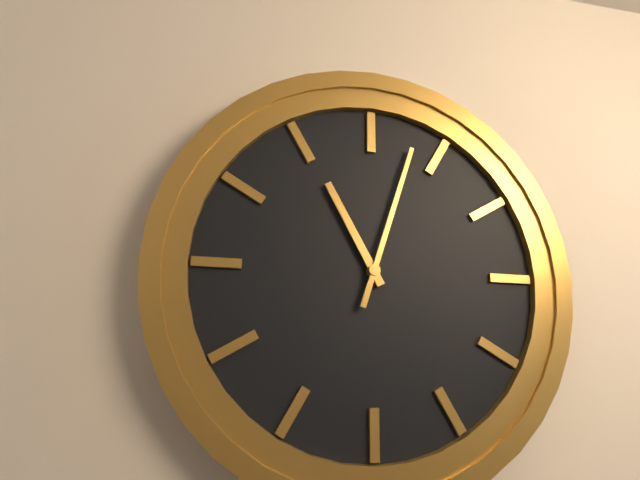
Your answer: 11.03
